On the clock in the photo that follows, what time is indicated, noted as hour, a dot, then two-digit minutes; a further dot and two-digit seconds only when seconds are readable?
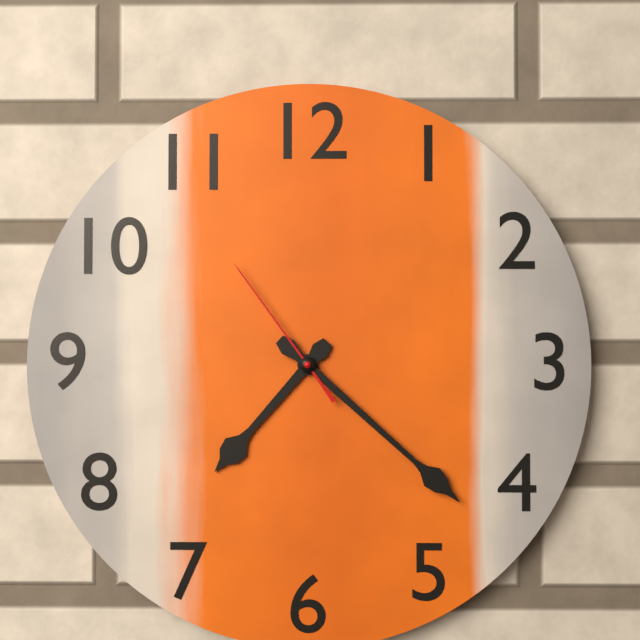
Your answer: 7.22.54
